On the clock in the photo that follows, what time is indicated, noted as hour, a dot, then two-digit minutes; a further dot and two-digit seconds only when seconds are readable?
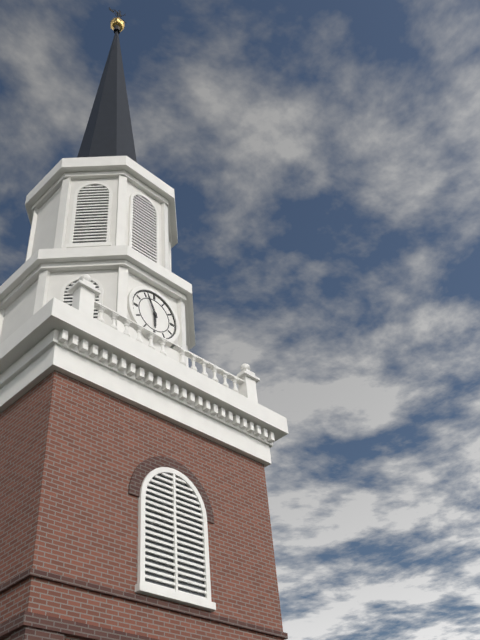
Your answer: 5.56
